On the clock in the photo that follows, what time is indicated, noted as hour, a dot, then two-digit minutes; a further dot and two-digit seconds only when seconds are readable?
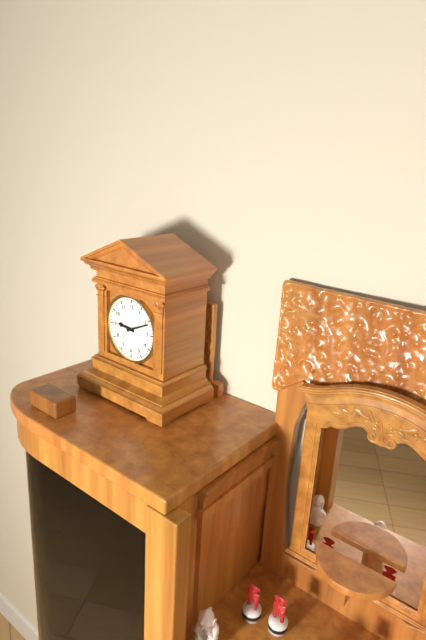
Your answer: 9.11
